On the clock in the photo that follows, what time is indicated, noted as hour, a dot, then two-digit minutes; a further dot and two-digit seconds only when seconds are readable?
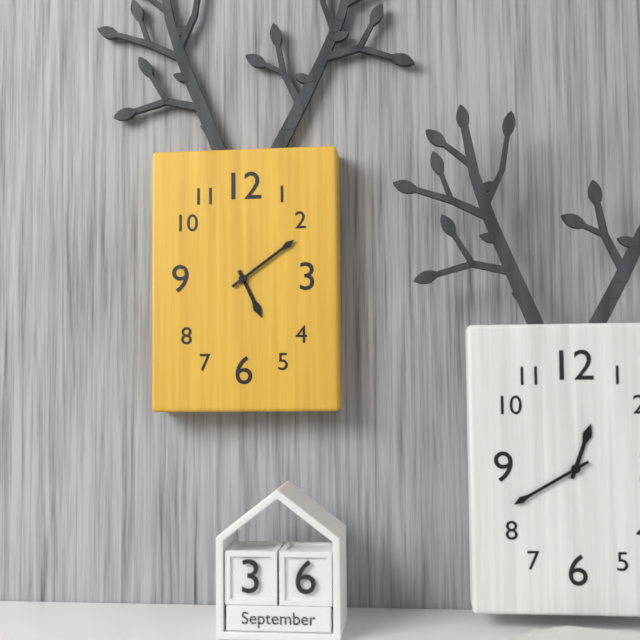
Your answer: 5.09
